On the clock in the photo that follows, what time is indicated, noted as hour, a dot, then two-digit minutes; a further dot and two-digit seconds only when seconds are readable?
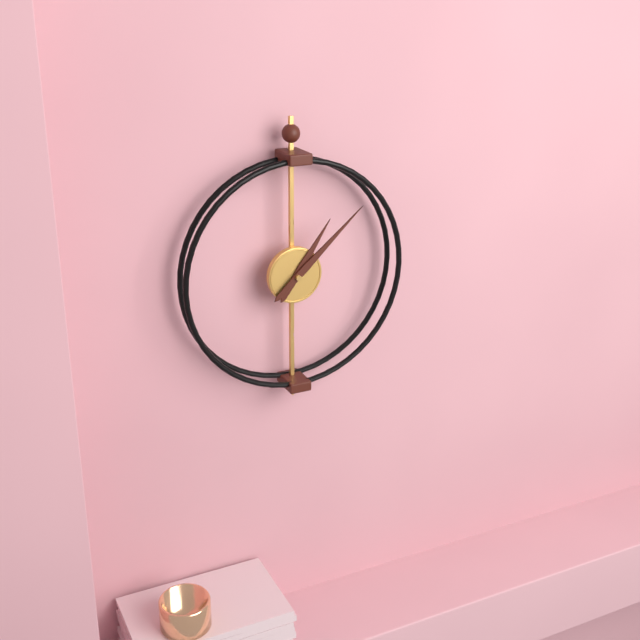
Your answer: 1.08
